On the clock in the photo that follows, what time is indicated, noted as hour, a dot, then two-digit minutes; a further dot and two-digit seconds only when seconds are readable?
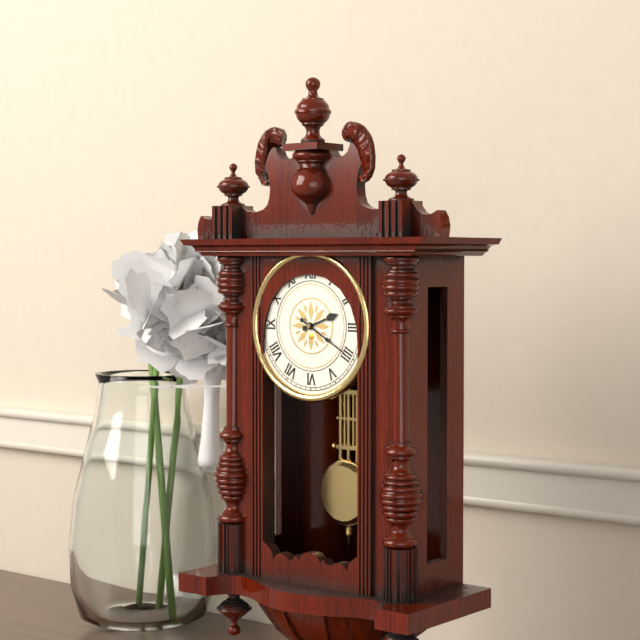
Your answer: 2.20
